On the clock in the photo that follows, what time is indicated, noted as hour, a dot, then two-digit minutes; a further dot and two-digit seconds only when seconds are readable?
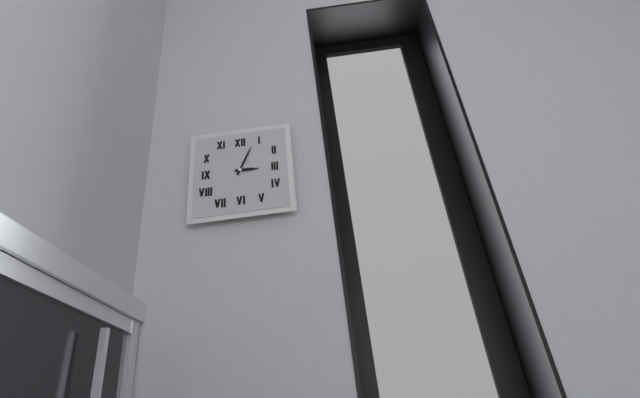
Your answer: 3.04
